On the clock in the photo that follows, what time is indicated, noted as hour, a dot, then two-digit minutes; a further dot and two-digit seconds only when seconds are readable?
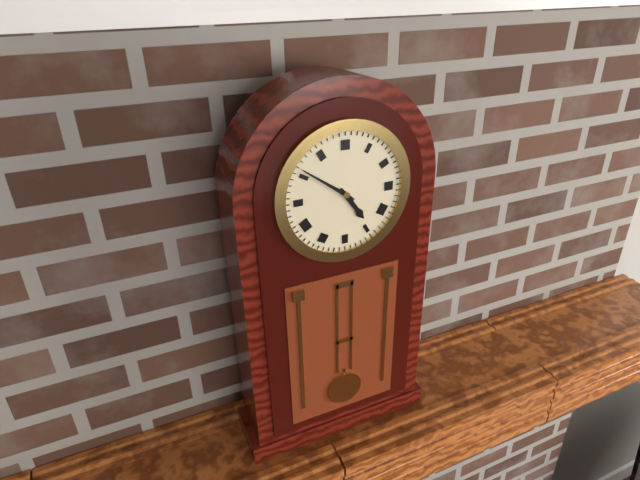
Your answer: 4.51
